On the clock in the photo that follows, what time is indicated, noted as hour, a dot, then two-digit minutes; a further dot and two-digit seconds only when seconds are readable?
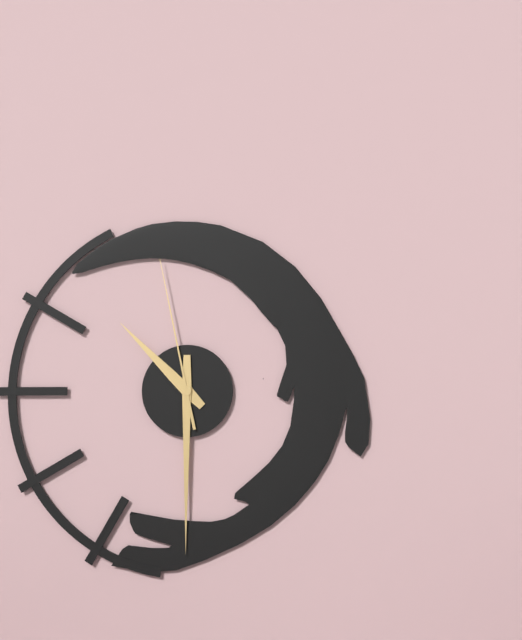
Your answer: 10.30.58
